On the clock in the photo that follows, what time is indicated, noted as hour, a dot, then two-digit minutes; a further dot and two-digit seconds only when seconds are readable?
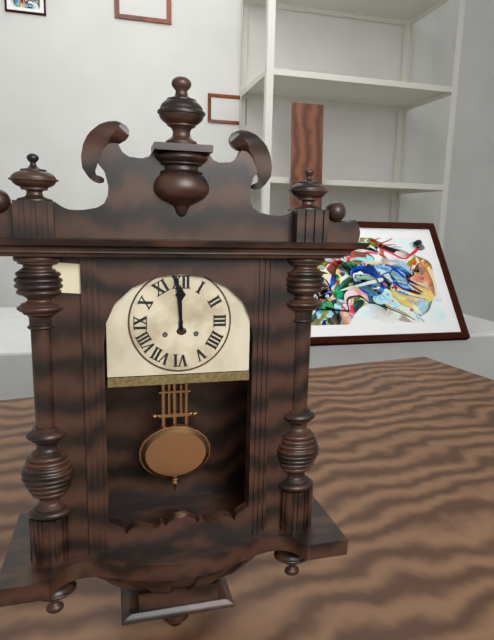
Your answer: 11.59
